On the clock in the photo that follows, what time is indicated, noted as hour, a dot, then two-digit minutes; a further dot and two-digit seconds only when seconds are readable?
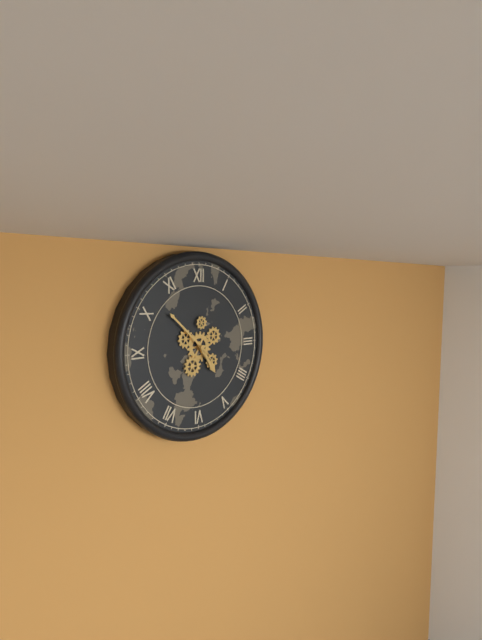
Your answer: 4.52
